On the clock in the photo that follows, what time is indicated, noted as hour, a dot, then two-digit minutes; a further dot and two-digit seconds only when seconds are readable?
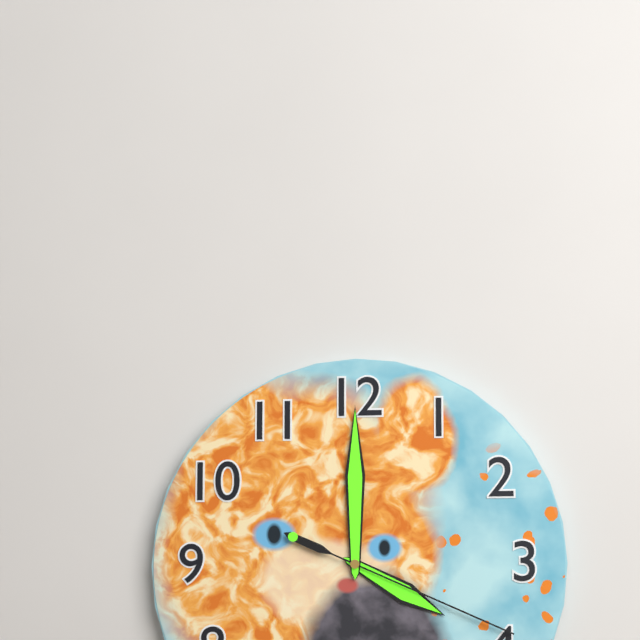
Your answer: 4.00.19
